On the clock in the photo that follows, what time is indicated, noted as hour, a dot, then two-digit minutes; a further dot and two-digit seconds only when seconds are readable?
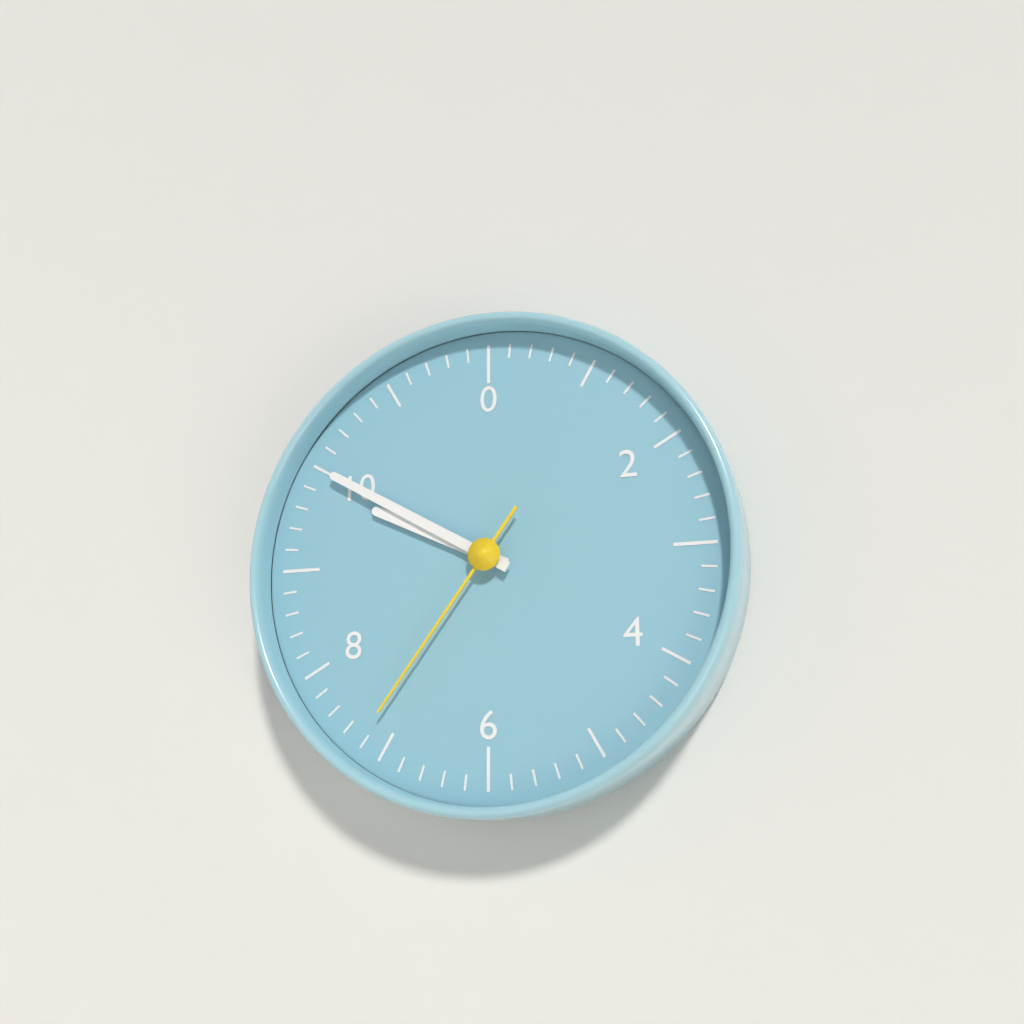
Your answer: 9.50.36
